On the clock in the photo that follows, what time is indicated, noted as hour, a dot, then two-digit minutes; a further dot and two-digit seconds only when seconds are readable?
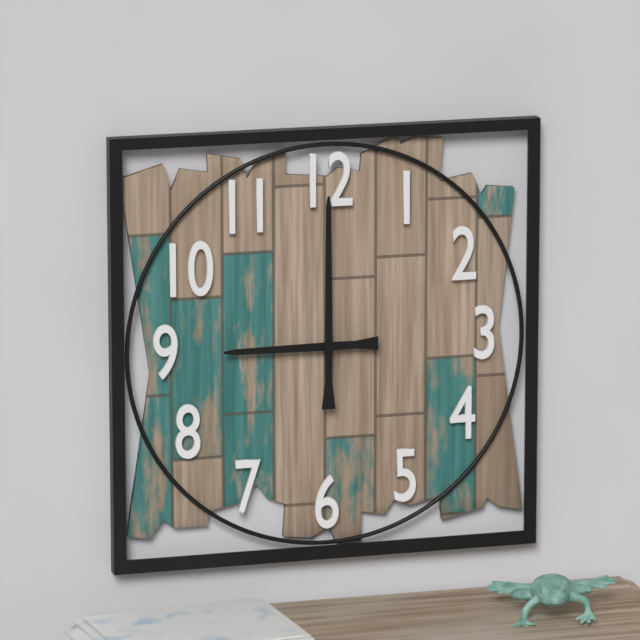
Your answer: 9.00
